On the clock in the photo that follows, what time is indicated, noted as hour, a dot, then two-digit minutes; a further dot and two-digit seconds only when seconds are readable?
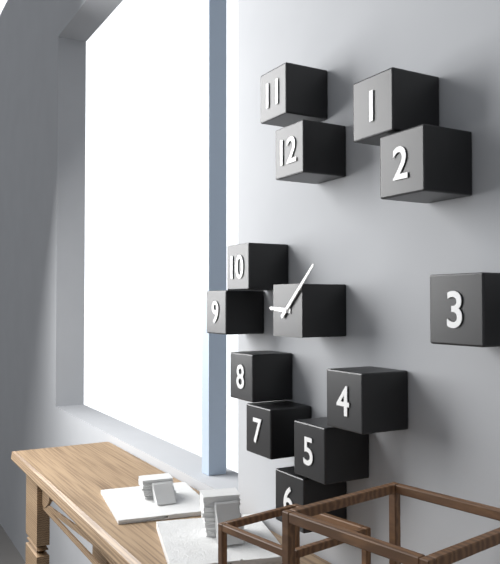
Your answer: 9.08
